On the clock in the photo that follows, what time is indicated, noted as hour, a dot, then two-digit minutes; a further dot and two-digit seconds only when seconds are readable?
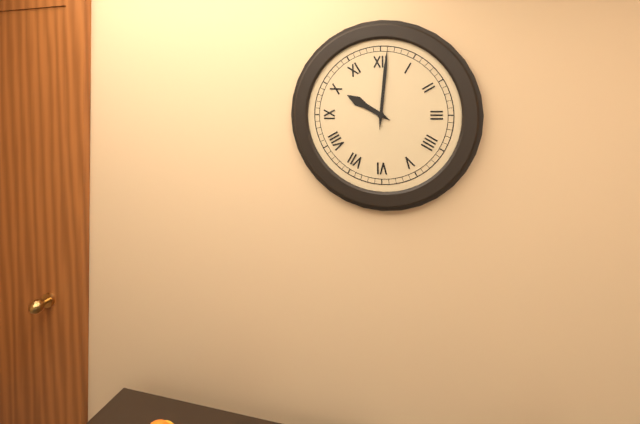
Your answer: 10.01
